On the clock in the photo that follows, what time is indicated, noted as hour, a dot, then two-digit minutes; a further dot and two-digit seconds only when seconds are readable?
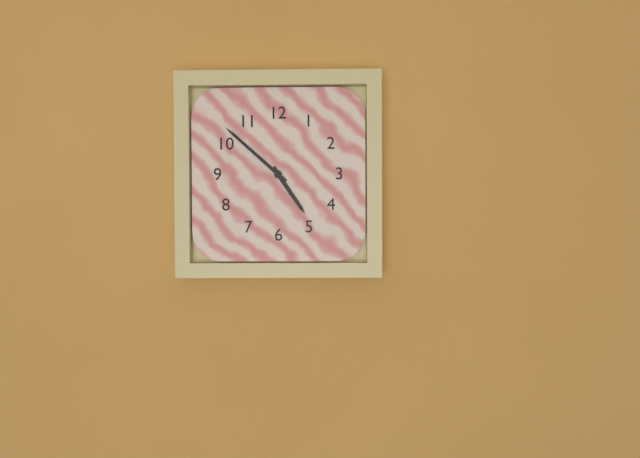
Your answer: 4.52
